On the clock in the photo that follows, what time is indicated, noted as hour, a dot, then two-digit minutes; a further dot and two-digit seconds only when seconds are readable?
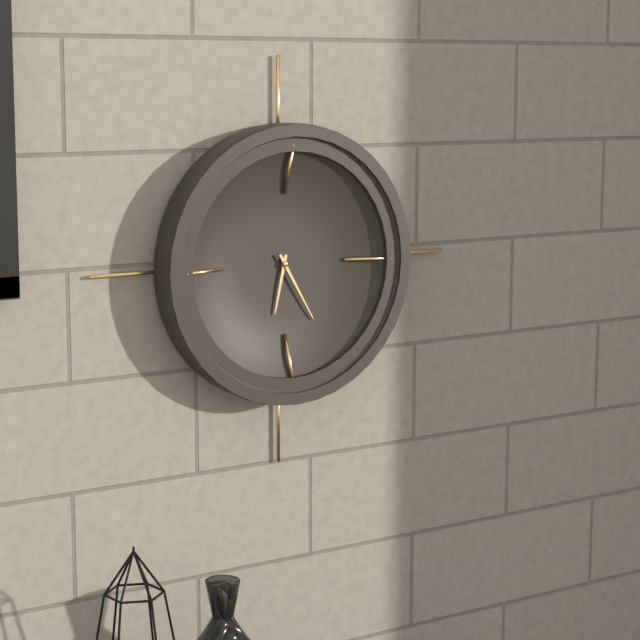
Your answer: 6.25
